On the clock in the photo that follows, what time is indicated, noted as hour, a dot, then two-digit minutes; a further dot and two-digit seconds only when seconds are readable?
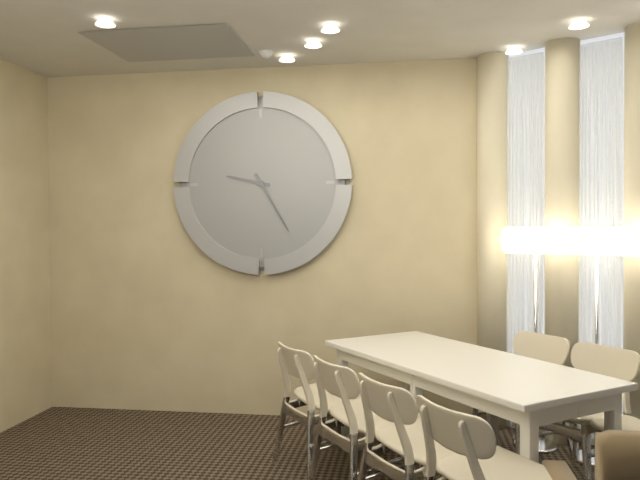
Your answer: 9.25
